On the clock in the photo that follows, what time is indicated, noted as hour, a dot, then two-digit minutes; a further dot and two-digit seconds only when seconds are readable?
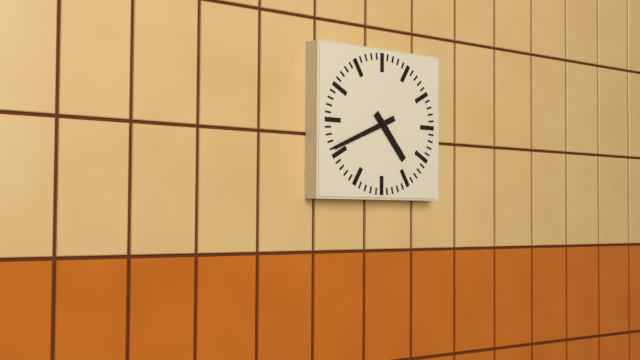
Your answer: 4.41
